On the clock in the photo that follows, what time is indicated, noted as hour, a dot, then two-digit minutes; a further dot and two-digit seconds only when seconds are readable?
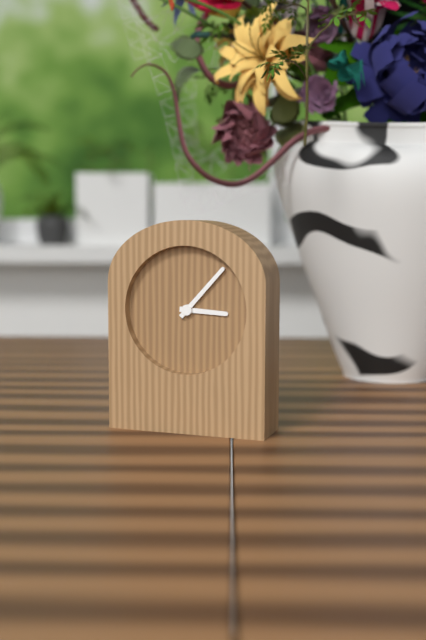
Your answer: 3.07
